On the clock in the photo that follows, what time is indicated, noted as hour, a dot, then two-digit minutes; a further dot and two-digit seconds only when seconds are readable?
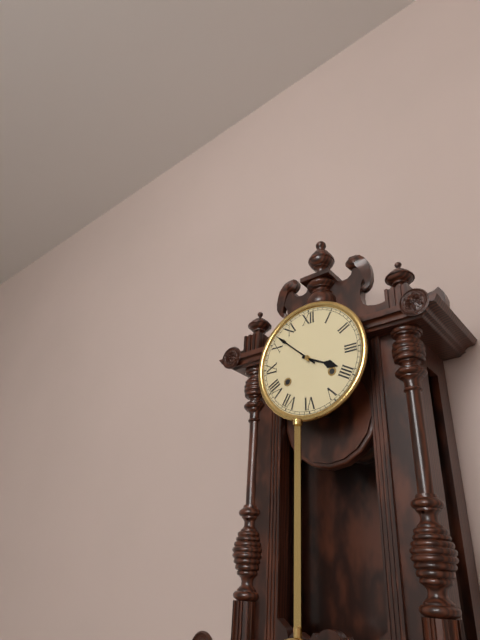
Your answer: 3.52
